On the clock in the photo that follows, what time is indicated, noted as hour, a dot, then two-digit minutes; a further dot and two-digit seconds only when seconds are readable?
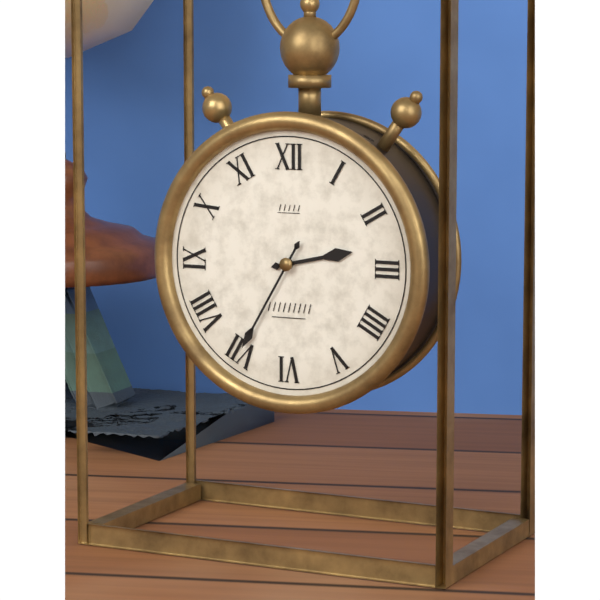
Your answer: 2.35
